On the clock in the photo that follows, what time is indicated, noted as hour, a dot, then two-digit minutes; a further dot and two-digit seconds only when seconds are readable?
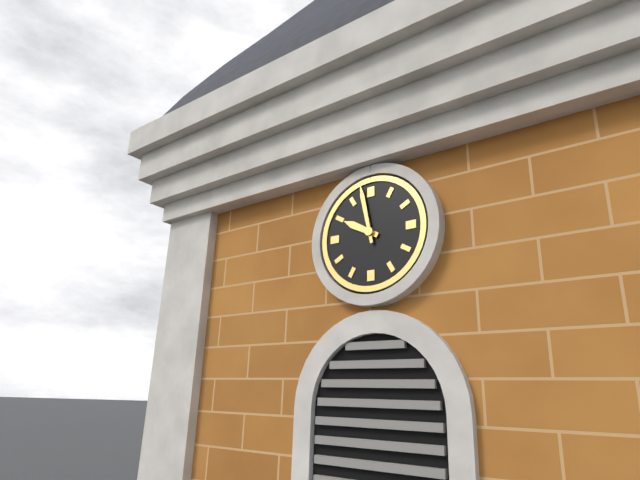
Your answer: 9.58
